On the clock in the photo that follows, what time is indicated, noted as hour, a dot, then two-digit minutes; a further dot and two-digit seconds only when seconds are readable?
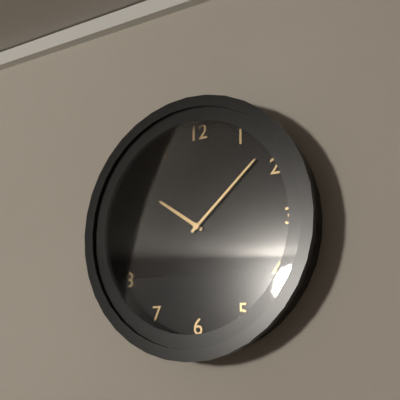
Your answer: 10.08
